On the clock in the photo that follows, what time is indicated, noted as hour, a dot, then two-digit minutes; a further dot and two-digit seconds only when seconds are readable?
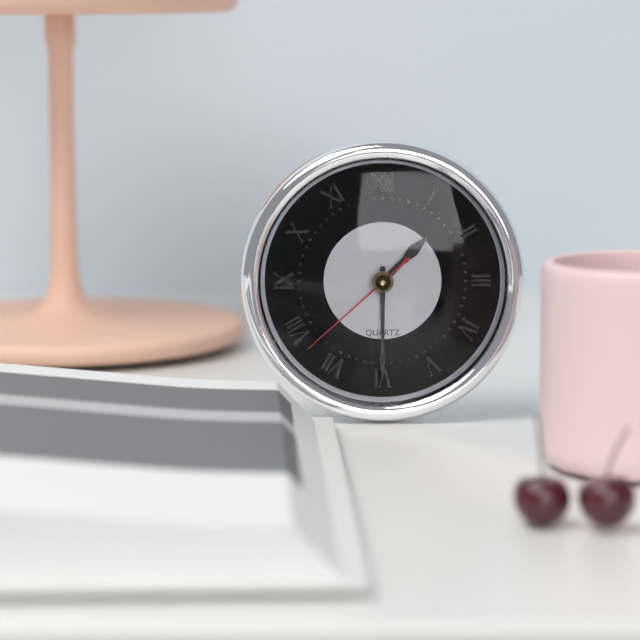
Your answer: 1.30.38
